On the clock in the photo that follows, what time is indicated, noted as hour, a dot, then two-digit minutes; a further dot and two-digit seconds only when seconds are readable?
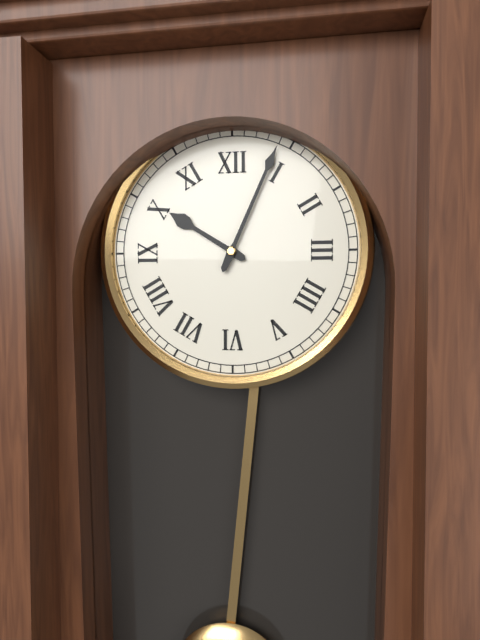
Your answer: 10.04
